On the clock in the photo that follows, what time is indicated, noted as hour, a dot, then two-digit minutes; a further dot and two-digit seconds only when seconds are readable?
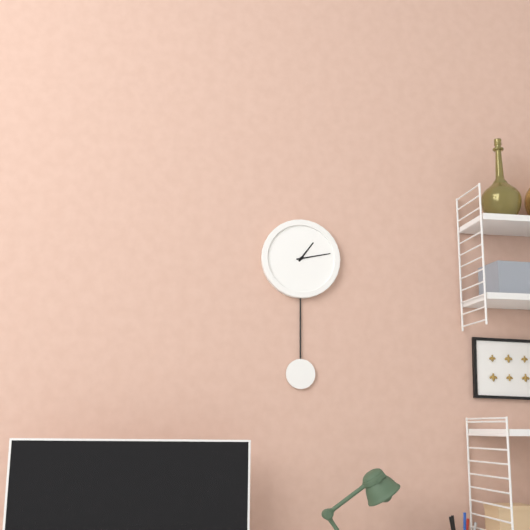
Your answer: 1.13
